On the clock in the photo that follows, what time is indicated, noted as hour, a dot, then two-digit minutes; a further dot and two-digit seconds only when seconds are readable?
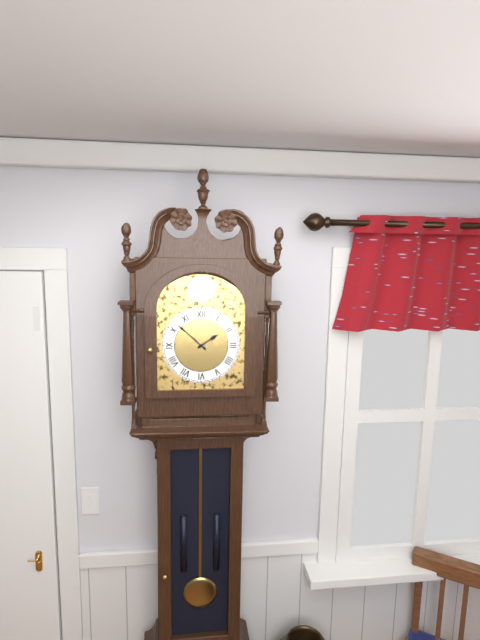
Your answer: 1.52
